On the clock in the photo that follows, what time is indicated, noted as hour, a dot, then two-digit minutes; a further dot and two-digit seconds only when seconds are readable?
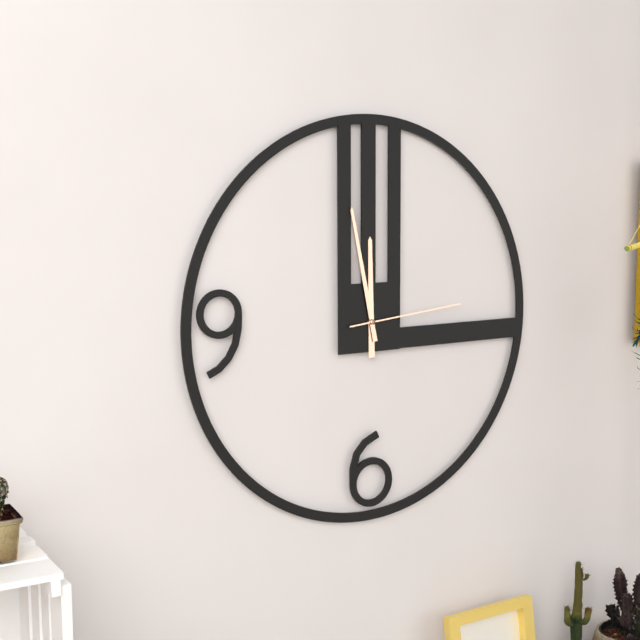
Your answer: 11.58.14
